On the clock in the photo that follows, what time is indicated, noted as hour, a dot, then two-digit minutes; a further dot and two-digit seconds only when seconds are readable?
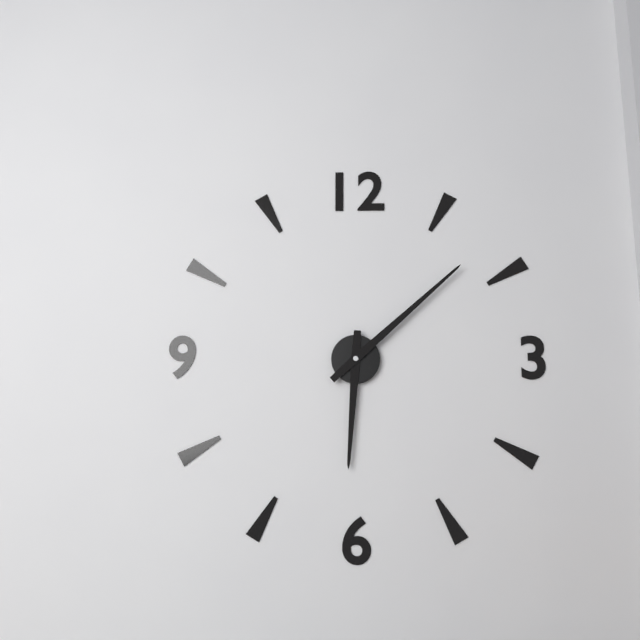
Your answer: 6.08
